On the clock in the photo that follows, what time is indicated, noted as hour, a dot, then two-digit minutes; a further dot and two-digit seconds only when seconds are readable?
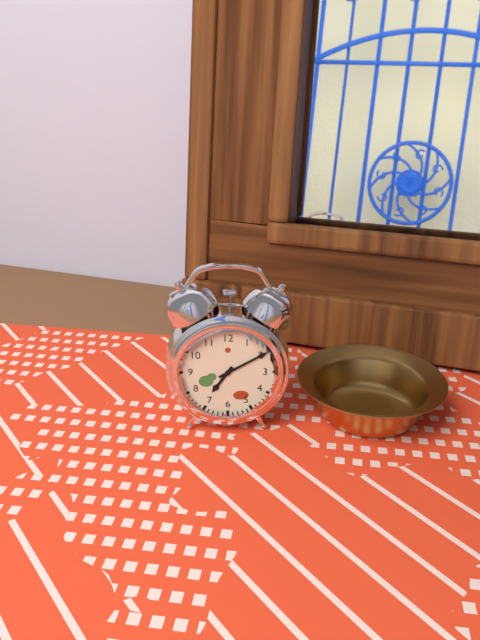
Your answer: 7.10
